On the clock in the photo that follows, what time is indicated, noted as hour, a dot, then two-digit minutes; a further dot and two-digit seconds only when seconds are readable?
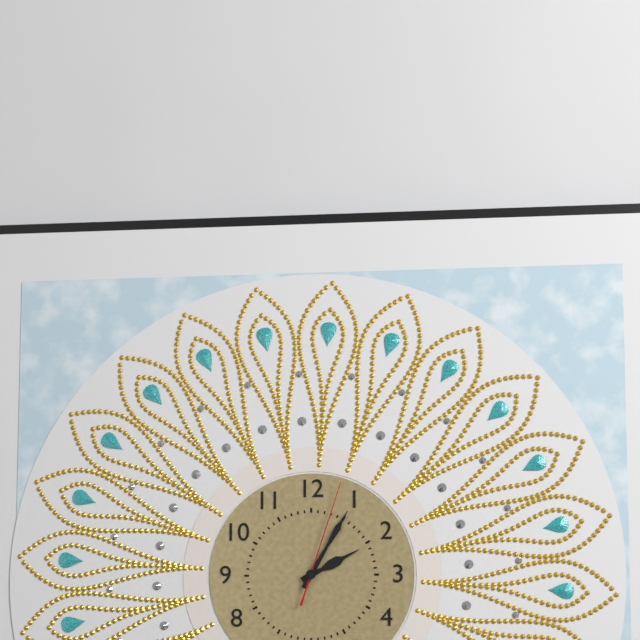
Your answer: 2.05.03
